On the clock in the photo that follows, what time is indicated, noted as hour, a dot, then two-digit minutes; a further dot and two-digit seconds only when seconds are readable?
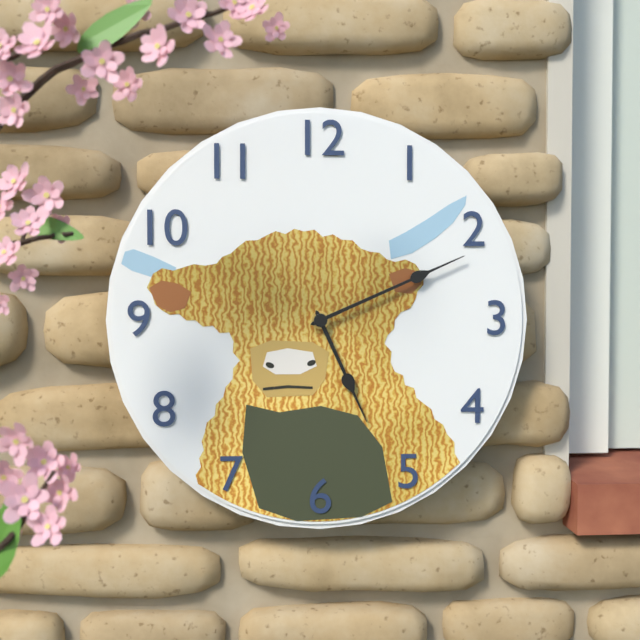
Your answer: 5.11
